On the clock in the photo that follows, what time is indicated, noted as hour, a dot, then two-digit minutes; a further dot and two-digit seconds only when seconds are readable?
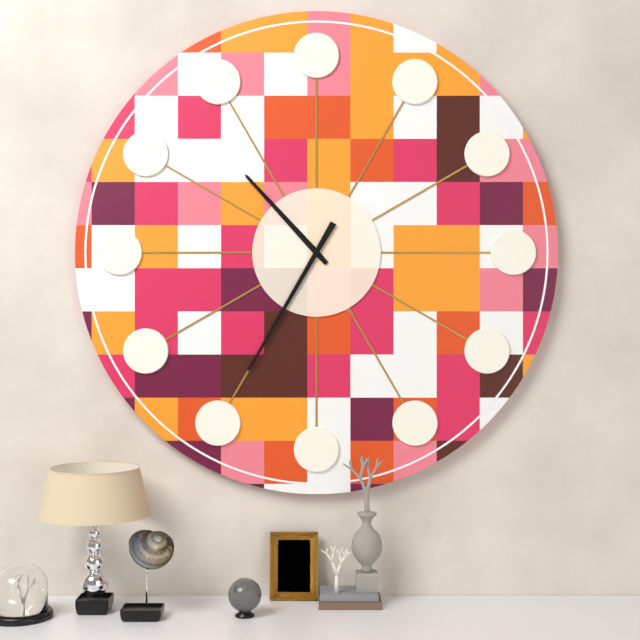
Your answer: 10.35
